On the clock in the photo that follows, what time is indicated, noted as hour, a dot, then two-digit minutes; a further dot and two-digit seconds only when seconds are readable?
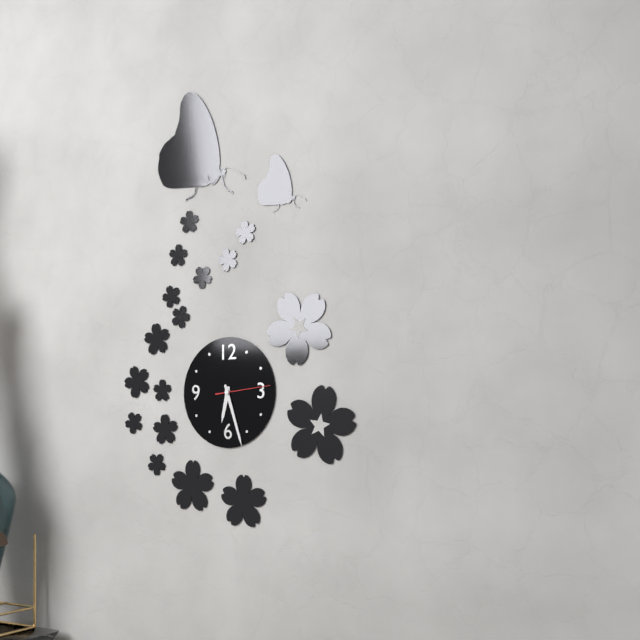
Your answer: 6.27.14
